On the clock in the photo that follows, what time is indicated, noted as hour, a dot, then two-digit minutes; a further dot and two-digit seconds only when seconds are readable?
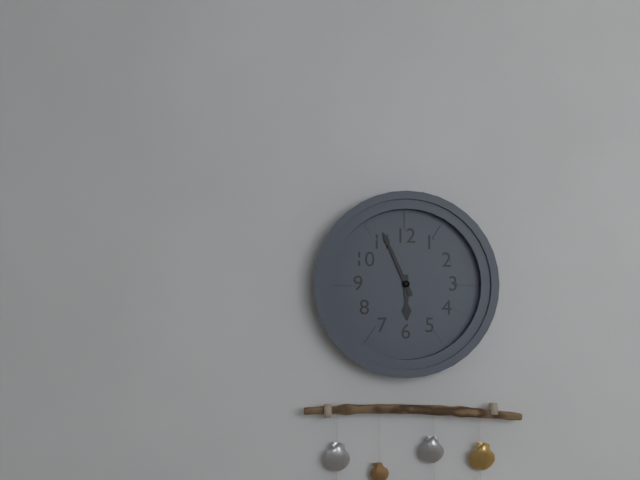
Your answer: 5.56
